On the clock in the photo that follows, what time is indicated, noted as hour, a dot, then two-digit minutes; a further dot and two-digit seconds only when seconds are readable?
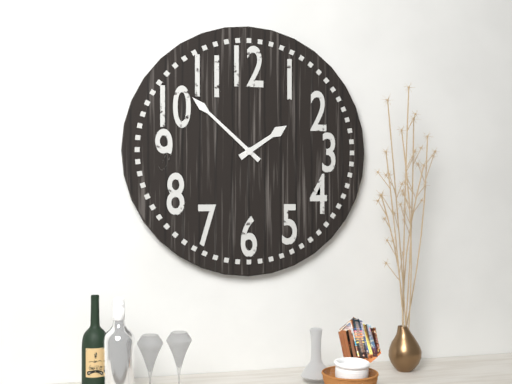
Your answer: 1.52
